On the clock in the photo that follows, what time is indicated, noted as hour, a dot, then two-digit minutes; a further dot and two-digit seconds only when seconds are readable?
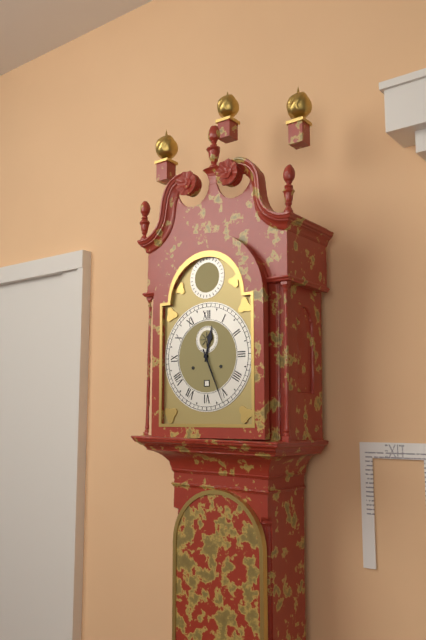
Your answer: 12.26
